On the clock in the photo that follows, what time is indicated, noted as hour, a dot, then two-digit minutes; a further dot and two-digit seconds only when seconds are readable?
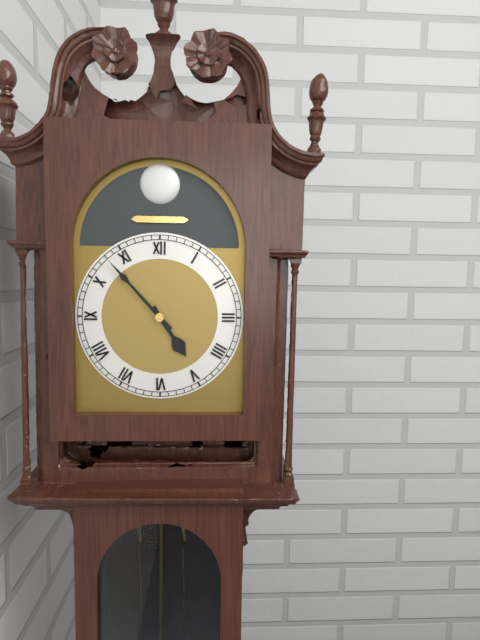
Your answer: 4.53
